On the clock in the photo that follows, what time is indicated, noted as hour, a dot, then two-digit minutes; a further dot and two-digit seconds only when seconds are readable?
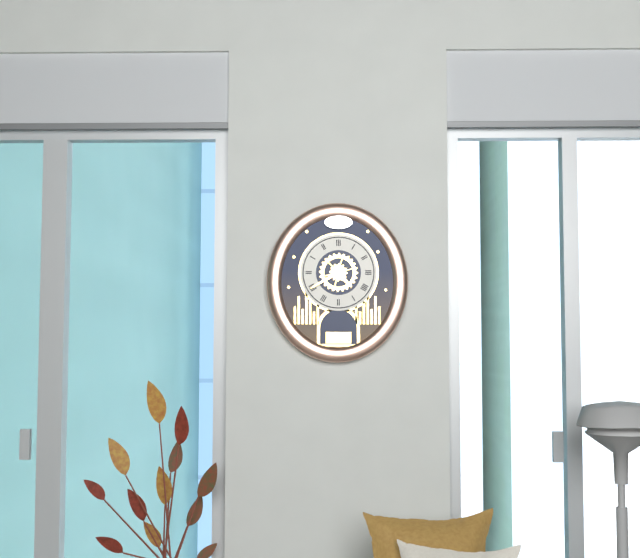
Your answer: 4.40
